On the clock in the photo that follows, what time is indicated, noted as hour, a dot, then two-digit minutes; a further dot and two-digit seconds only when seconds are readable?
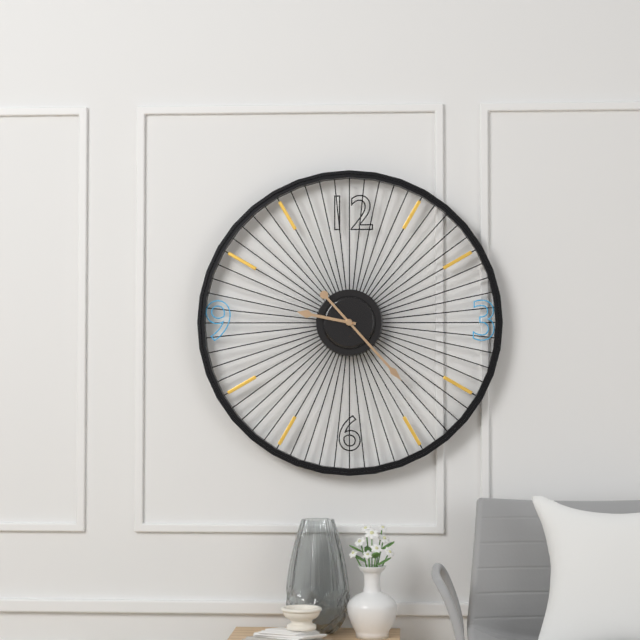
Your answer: 9.23
